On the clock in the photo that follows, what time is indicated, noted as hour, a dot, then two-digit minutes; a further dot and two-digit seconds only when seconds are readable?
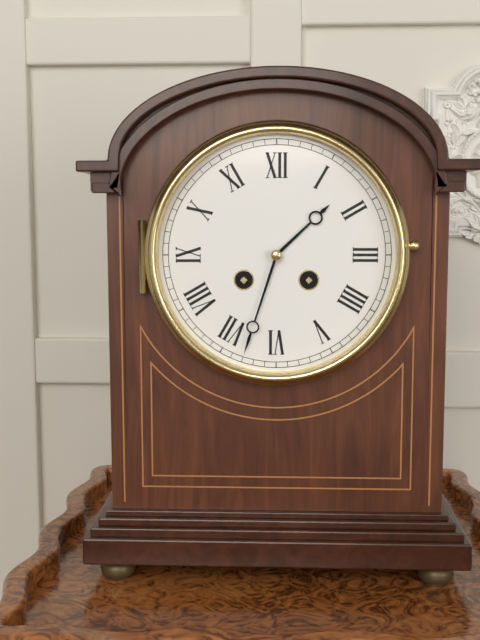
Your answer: 1.33
